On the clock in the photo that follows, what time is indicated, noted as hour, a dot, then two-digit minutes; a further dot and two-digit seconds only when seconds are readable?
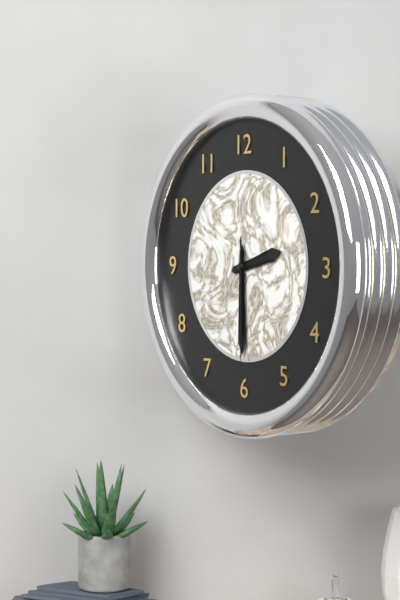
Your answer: 2.30.30
